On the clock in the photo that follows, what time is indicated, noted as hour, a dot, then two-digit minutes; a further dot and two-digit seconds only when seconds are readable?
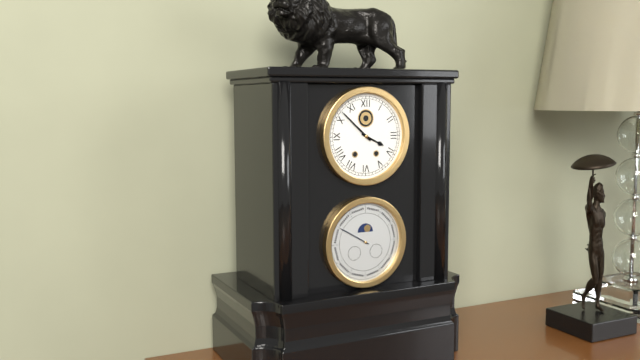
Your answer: 3.52
